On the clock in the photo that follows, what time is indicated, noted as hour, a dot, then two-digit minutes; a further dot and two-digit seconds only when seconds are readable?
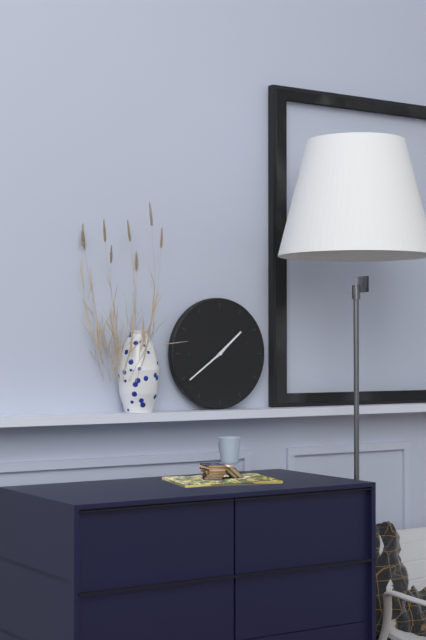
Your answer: 1.39
